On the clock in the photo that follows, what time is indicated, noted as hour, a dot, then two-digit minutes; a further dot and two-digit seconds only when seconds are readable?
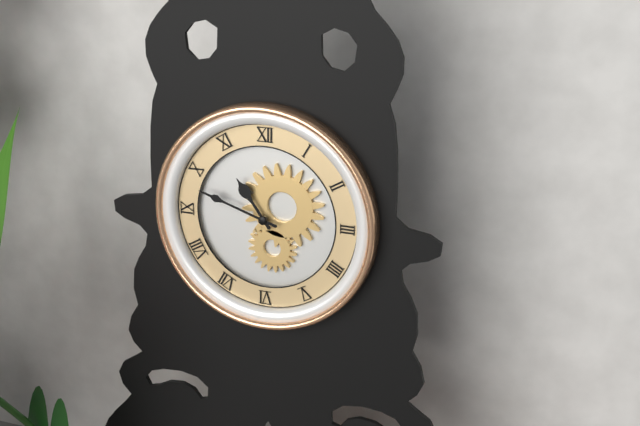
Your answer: 10.48
